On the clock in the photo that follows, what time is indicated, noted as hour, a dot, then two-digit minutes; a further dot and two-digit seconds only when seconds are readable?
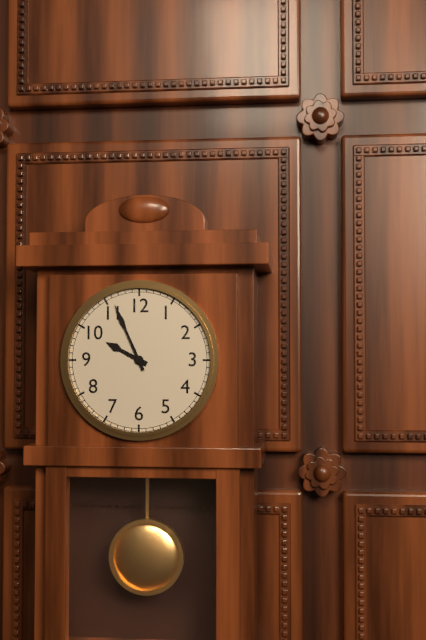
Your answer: 9.56
